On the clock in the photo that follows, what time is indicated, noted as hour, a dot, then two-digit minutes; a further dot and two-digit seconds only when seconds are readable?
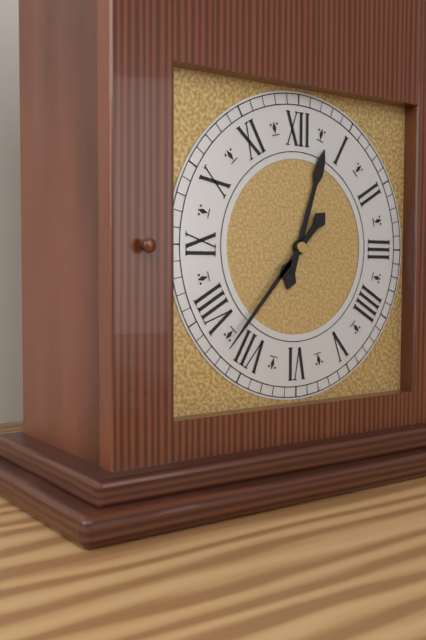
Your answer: 12.37
